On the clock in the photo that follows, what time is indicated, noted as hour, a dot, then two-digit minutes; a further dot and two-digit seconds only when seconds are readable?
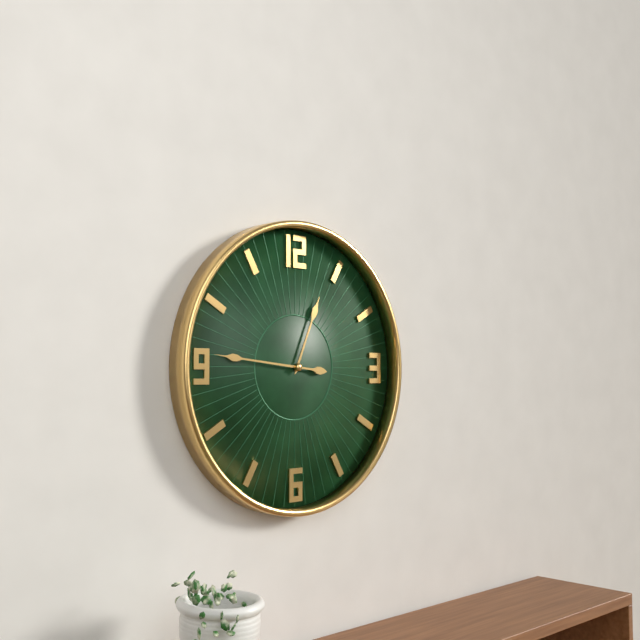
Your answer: 12.46
